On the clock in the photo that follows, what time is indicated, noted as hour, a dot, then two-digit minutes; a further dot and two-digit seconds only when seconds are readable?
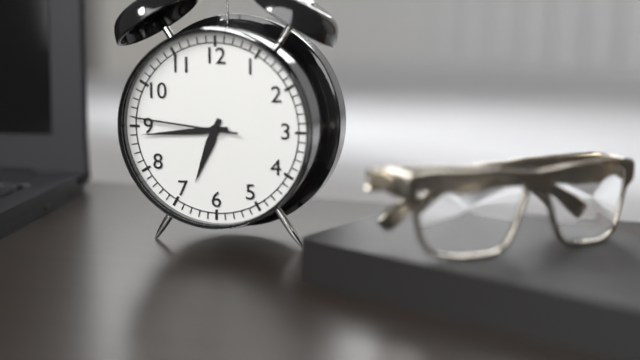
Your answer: 6.44.46
